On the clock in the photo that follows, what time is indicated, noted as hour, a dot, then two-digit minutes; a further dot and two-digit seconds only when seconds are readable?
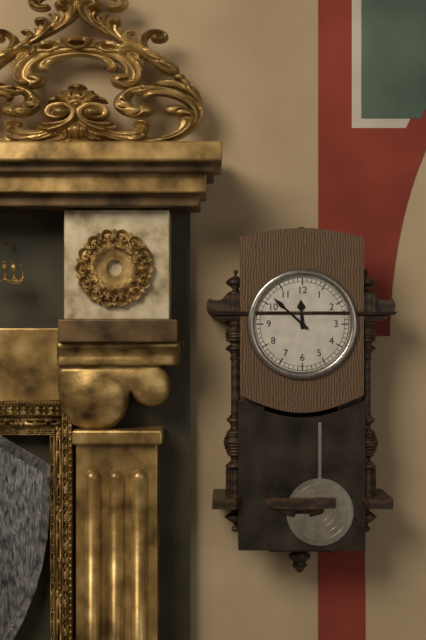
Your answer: 11.52
